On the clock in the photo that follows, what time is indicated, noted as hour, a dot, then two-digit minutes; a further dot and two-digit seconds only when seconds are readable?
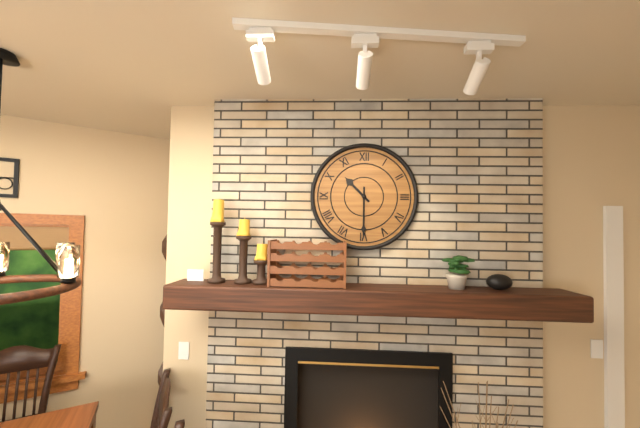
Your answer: 10.30
